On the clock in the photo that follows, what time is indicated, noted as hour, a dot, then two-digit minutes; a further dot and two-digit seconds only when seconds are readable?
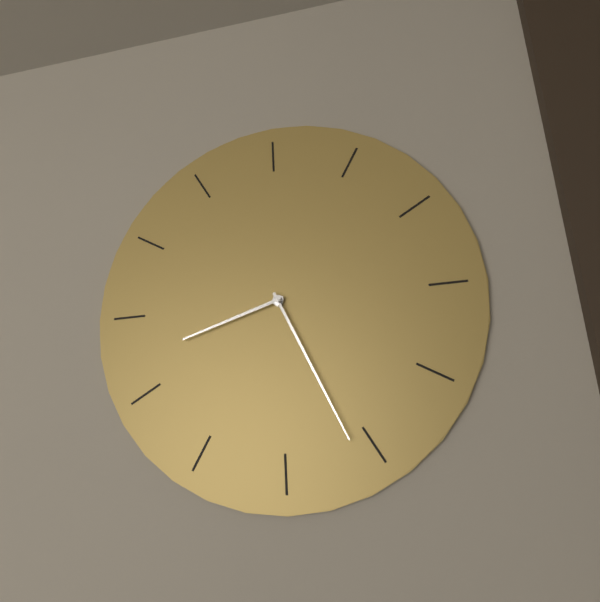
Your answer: 8.26
